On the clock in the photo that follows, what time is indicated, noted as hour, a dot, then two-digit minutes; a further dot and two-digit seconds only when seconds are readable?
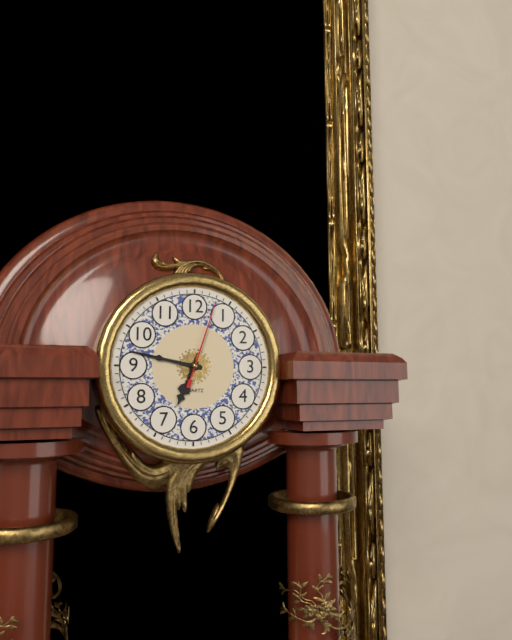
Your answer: 6.47.03
